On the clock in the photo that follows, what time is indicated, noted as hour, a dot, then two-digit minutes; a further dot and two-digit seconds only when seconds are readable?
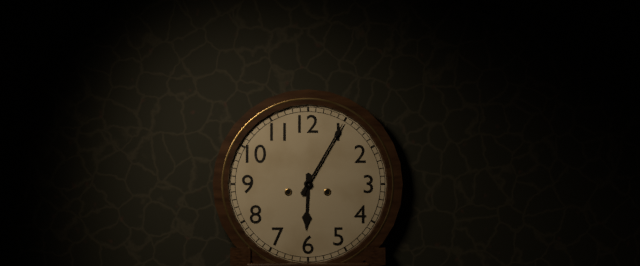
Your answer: 6.05
